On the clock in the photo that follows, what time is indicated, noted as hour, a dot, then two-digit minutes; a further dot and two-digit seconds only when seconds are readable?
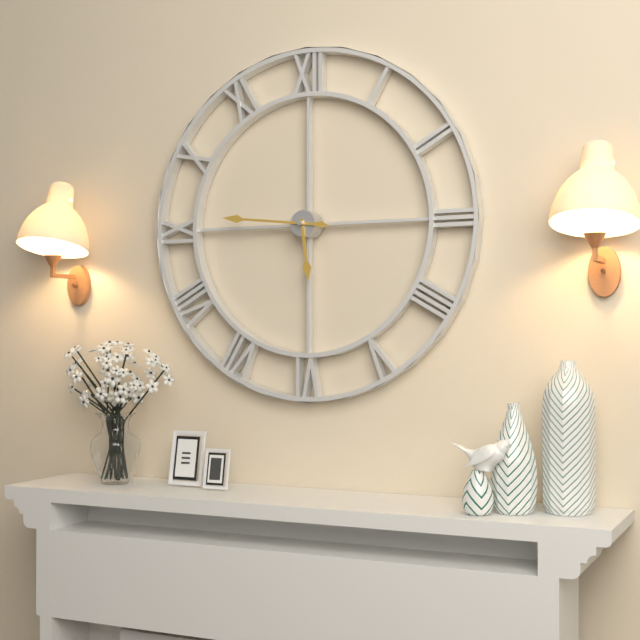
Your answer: 5.46
